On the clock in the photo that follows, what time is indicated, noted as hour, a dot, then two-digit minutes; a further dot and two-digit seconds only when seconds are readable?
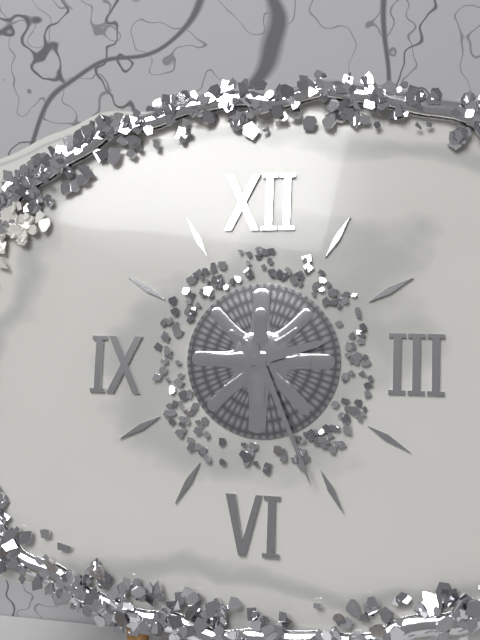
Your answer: 2.26
